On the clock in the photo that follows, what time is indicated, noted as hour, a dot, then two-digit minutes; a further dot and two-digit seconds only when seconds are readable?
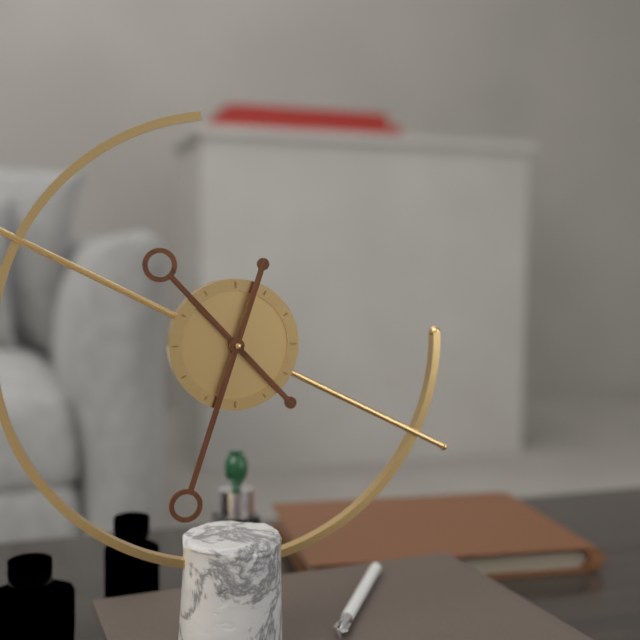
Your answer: 10.33
